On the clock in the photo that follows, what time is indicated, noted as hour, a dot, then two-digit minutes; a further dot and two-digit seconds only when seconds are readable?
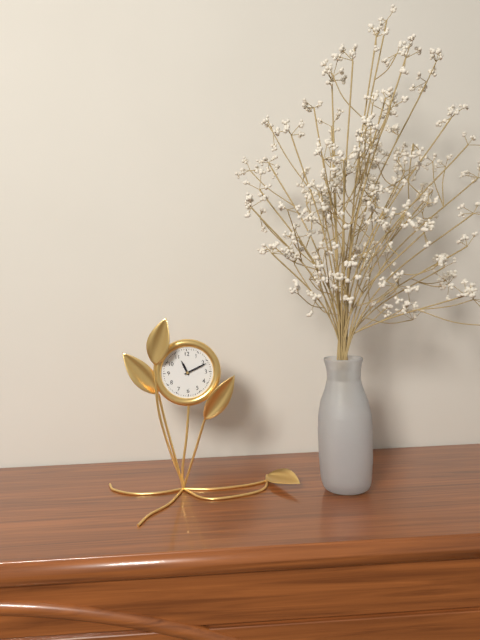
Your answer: 11.11
